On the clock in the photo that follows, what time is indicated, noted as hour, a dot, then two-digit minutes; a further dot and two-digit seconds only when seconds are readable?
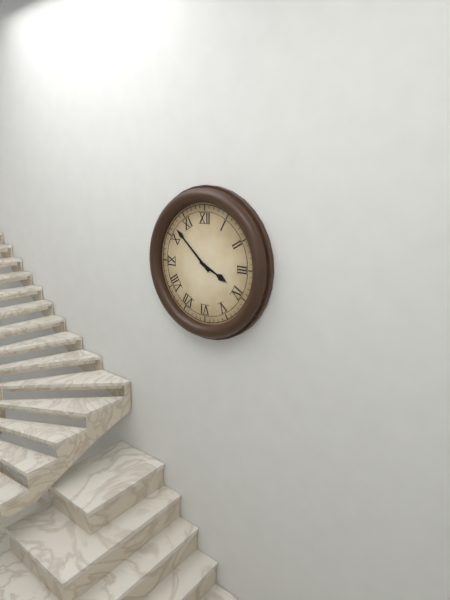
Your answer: 3.52
